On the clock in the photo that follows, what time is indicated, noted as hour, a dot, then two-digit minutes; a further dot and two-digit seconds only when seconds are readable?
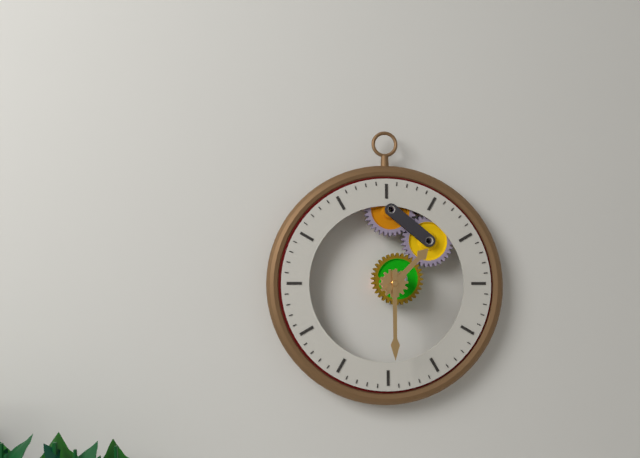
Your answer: 1.30
